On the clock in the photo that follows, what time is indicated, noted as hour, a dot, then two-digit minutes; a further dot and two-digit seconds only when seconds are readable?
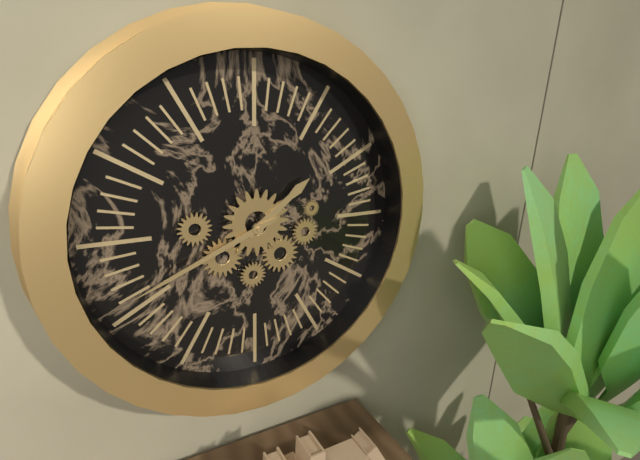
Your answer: 1.41
